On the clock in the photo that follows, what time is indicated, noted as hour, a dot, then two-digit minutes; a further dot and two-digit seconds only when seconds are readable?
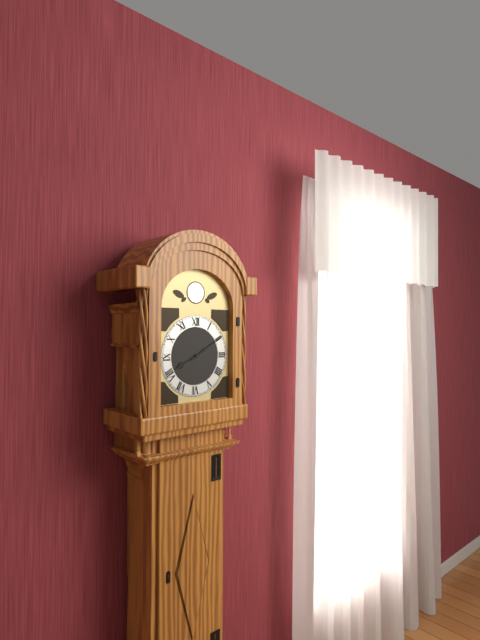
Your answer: 8.10
